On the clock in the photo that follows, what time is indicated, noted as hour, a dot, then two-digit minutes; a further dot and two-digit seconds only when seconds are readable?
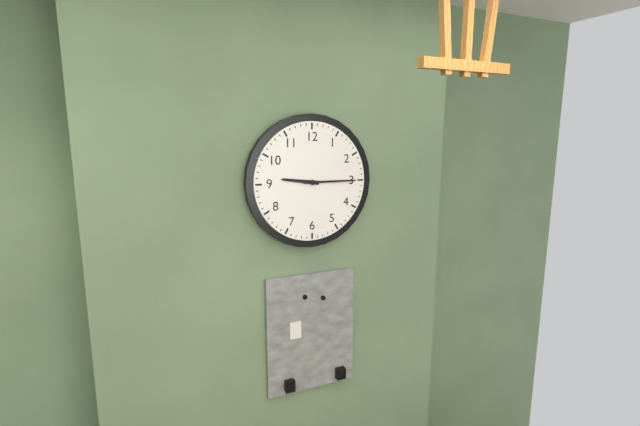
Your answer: 9.15
